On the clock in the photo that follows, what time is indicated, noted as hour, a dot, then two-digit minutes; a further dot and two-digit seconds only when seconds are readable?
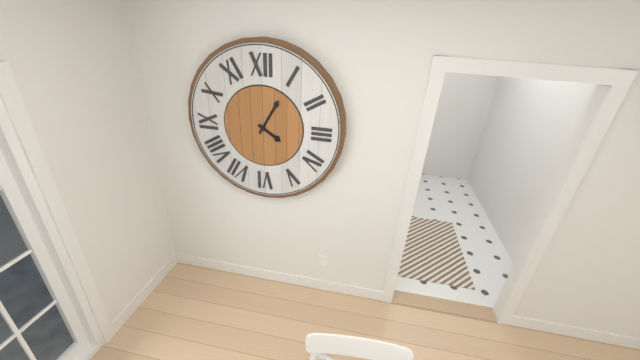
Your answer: 4.05
